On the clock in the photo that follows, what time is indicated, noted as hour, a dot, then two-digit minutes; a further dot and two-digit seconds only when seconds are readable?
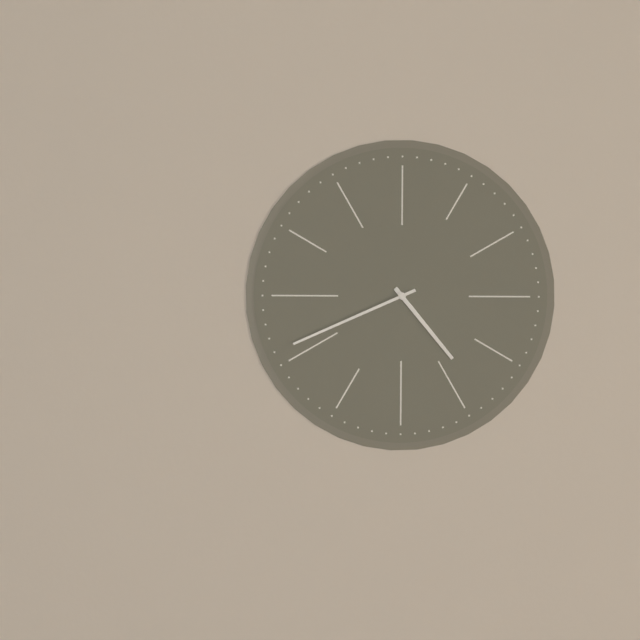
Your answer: 4.41
